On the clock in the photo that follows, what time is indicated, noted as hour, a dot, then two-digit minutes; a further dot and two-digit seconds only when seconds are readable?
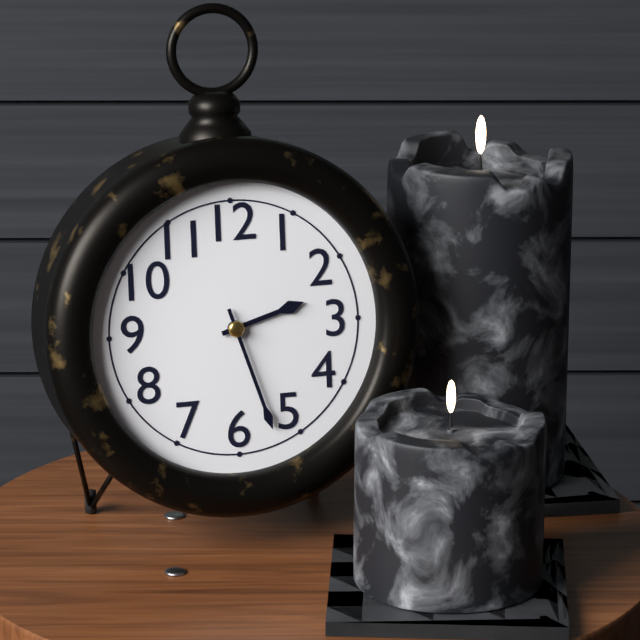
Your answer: 2.27
